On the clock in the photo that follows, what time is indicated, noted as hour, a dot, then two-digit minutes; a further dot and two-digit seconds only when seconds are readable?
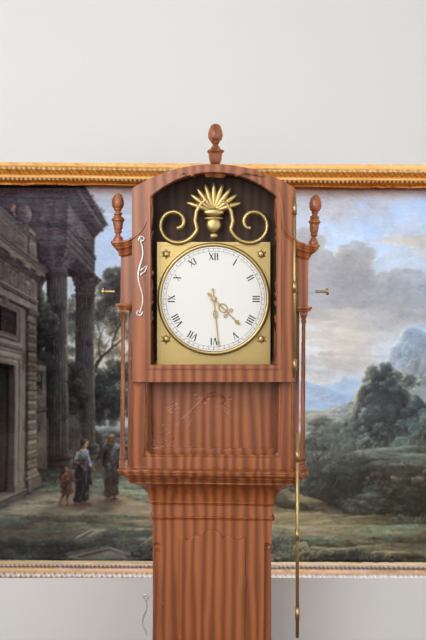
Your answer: 4.29
